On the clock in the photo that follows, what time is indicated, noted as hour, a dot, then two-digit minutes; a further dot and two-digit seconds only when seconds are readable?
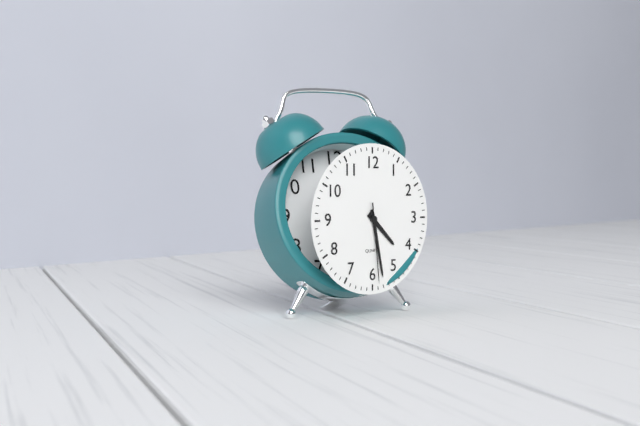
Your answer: 4.28.29
